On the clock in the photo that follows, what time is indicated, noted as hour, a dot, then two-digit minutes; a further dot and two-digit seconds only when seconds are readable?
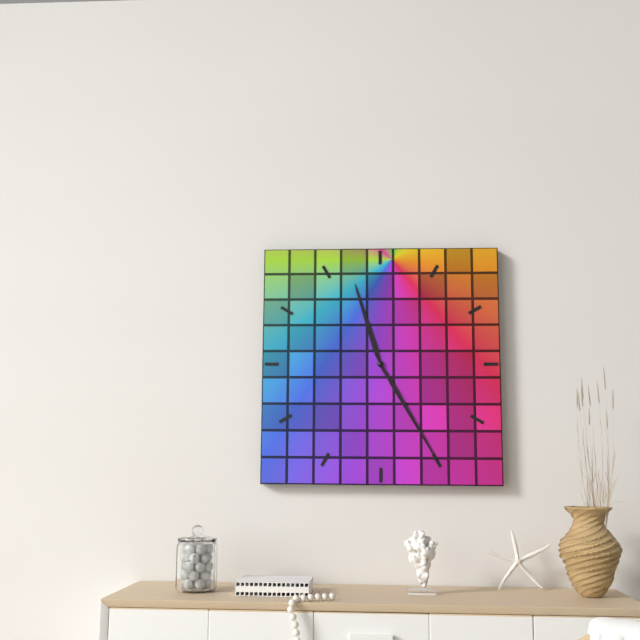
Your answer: 11.25
